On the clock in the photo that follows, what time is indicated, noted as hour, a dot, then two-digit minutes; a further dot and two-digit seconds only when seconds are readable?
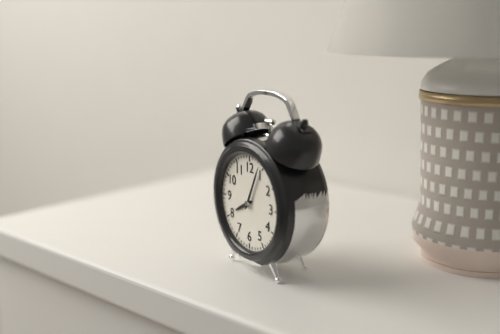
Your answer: 8.04
